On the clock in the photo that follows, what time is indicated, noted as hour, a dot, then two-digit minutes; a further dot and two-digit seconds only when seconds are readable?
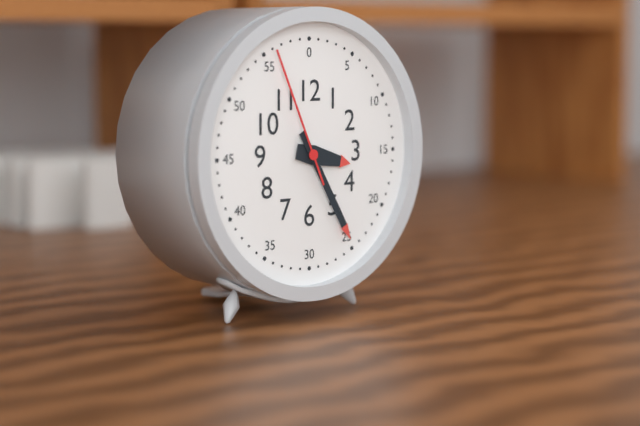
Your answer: 3.25.56
